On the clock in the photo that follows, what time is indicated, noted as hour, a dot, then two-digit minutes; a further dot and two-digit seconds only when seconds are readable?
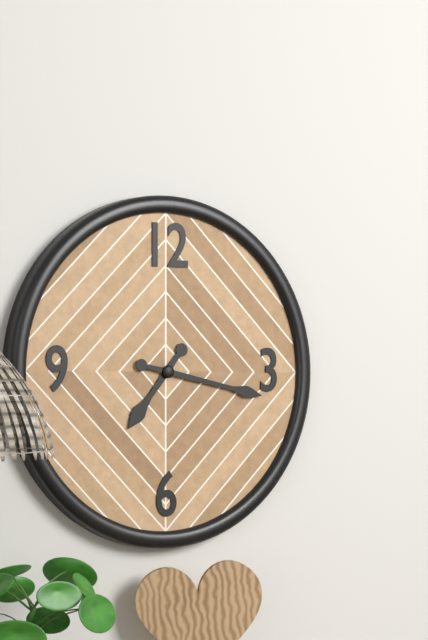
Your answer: 7.17
